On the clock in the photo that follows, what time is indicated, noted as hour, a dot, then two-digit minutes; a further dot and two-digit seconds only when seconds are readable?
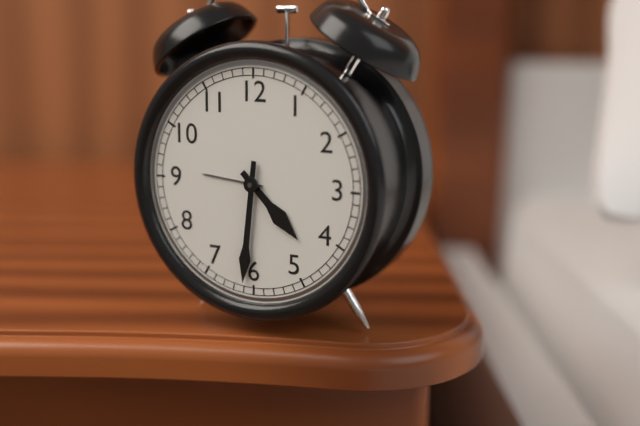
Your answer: 4.31
